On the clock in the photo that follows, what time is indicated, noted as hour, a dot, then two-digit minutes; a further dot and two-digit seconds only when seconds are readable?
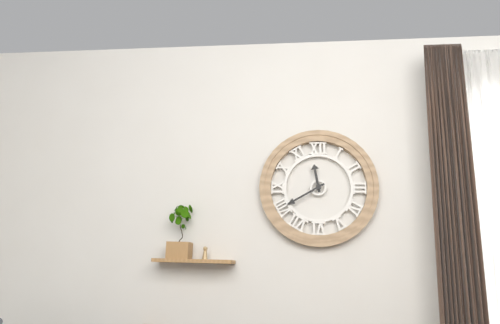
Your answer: 11.40
